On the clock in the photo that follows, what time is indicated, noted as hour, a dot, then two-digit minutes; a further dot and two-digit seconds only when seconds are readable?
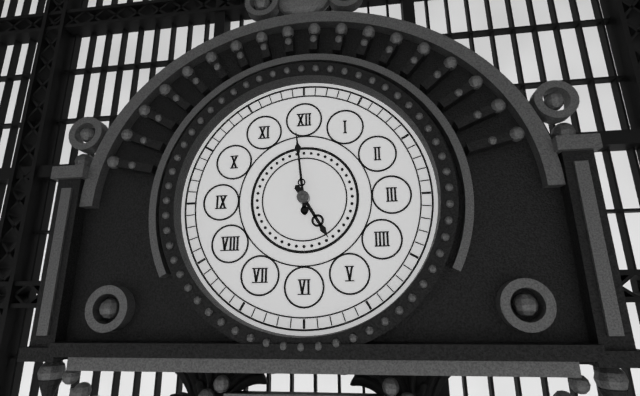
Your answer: 4.59
